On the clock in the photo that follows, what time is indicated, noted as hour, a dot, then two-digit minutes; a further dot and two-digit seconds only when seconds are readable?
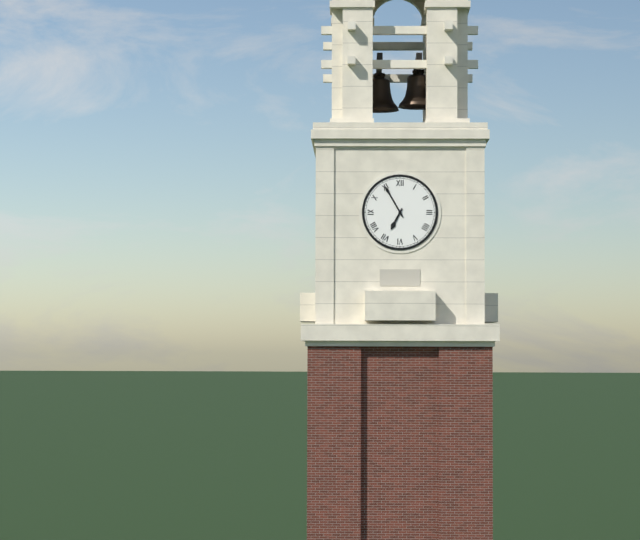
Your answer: 6.55
